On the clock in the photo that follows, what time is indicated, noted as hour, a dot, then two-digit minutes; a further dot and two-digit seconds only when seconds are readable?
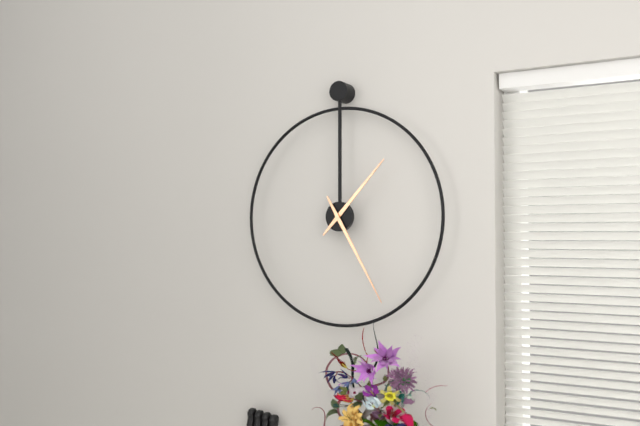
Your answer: 1.25
